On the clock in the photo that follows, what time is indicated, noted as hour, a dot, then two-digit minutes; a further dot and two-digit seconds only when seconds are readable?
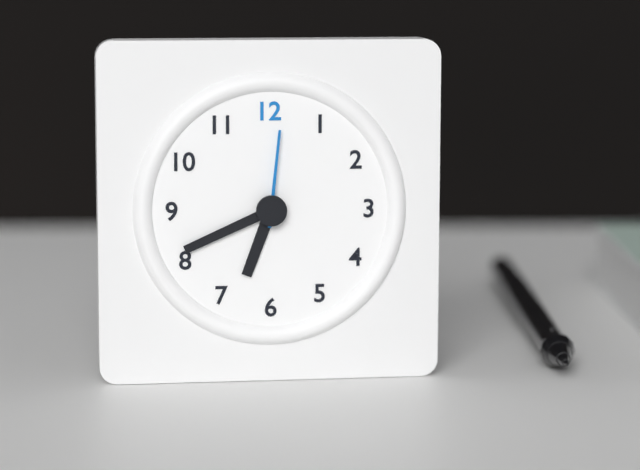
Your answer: 6.41.01
